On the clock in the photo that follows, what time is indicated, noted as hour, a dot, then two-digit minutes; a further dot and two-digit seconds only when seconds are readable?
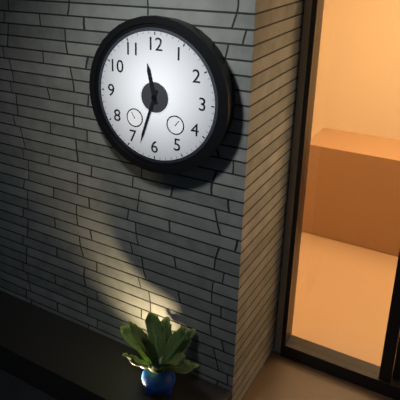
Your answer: 11.33
